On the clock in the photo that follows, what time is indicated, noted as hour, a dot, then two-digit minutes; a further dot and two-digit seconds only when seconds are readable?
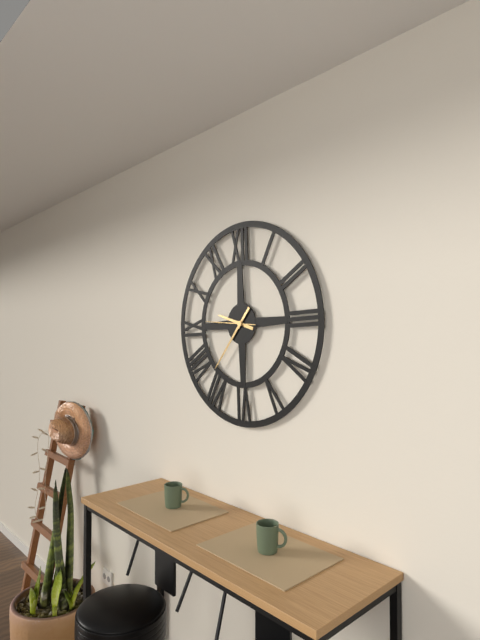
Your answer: 9.37
